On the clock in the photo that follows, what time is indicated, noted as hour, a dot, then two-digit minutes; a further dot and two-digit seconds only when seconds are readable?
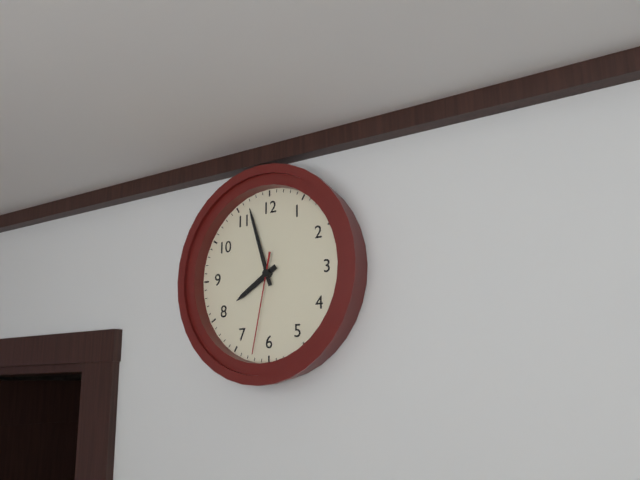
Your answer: 7.57.32
